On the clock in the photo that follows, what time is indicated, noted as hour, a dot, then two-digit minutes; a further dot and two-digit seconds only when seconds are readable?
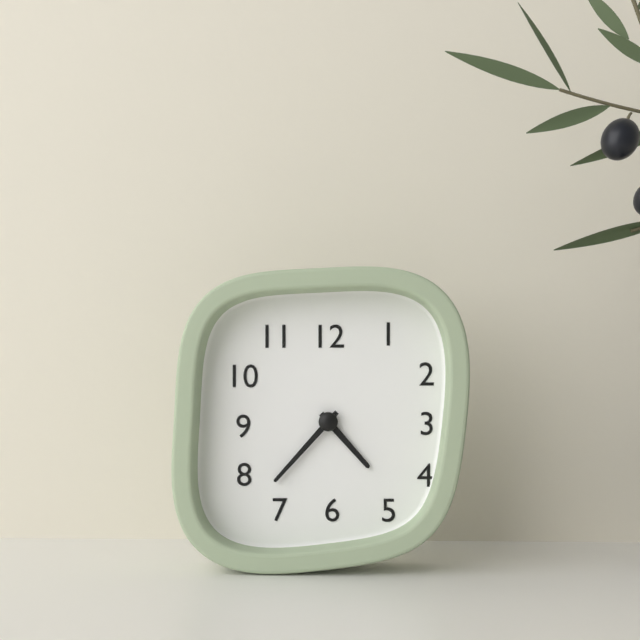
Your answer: 4.37
